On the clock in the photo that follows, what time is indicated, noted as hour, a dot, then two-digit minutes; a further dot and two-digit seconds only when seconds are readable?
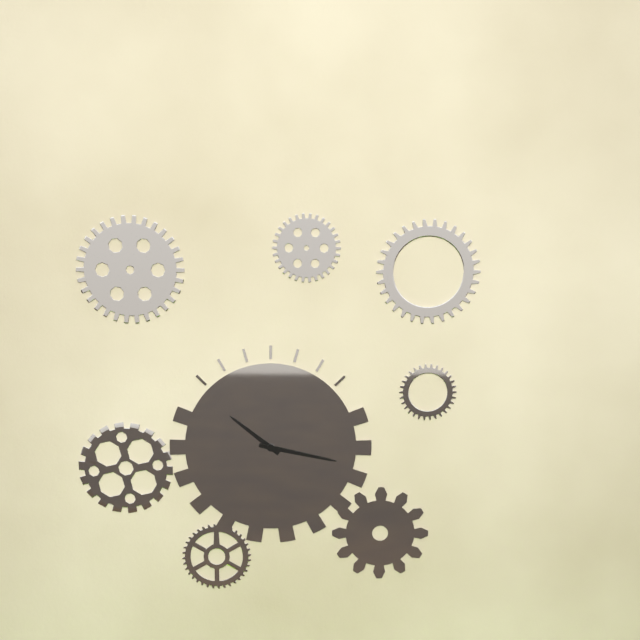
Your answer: 10.17
